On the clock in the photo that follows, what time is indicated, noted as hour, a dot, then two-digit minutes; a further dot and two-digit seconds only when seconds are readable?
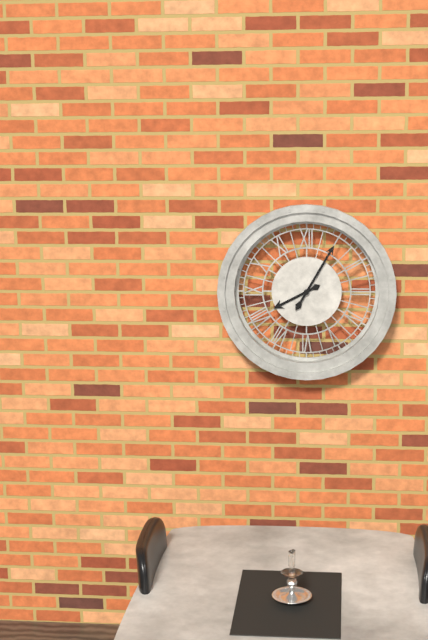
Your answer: 8.05
